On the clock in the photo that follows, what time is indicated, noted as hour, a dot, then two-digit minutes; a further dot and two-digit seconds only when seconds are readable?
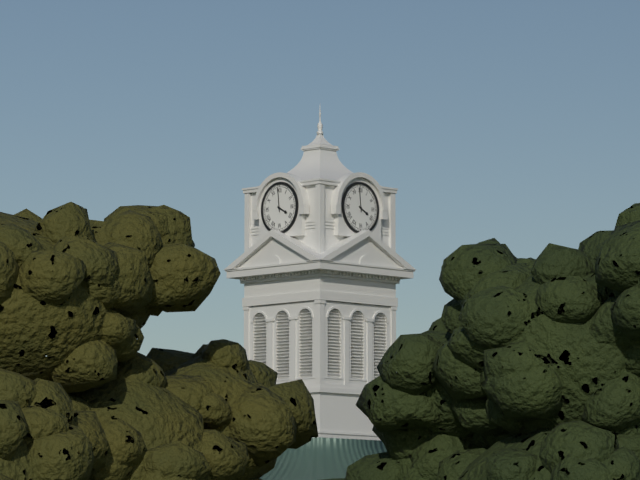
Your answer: 3.59
